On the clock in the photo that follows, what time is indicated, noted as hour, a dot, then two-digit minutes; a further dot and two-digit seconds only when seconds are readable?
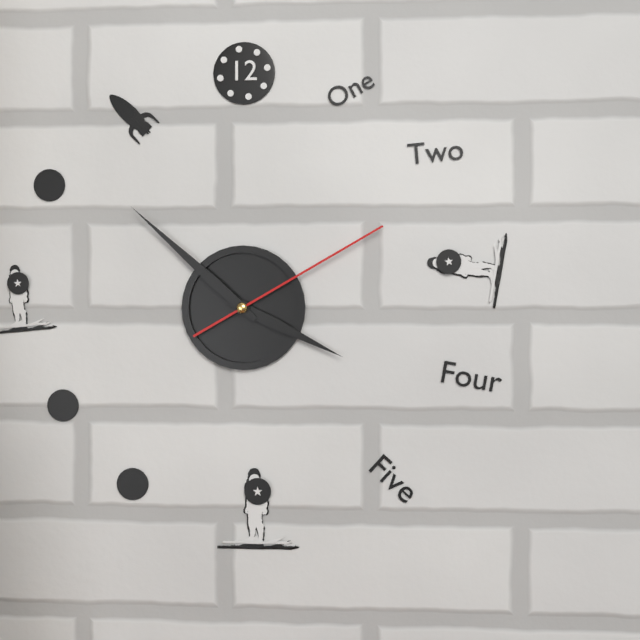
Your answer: 3.52.10
